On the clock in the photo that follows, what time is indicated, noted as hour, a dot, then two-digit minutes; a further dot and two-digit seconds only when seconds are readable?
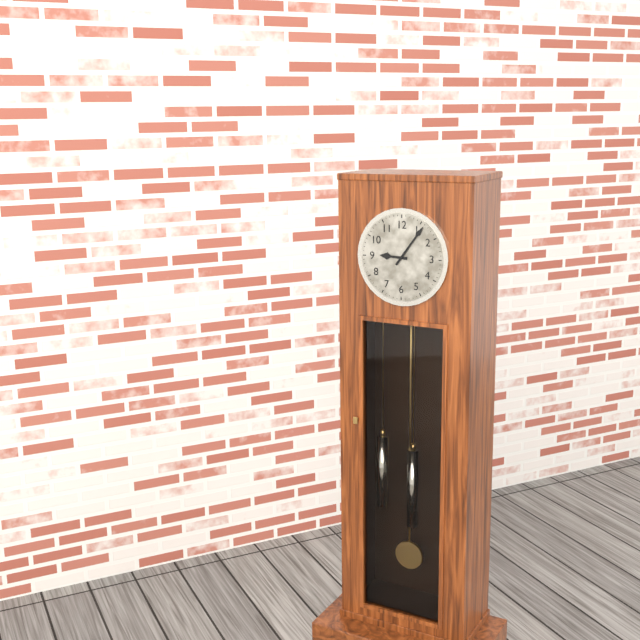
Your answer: 9.06
